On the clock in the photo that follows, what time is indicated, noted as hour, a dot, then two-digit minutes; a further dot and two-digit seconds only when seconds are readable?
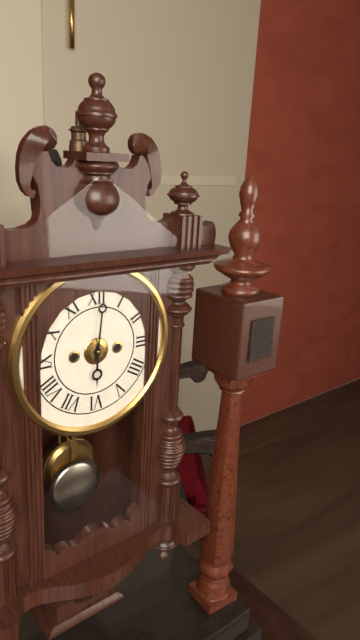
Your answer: 6.01
